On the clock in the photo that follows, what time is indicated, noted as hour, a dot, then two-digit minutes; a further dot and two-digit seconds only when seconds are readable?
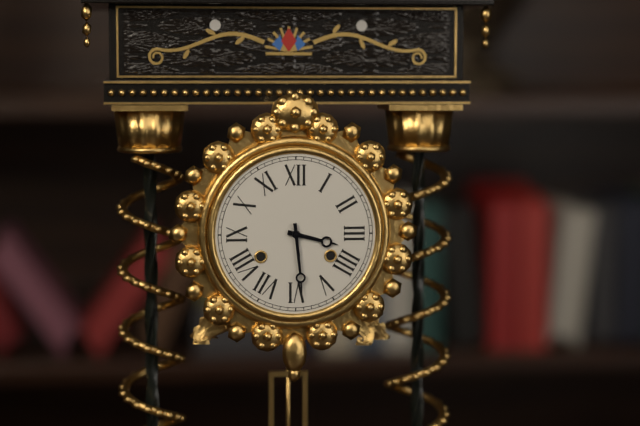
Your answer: 3.29
